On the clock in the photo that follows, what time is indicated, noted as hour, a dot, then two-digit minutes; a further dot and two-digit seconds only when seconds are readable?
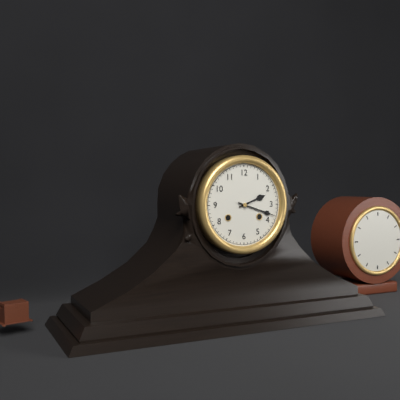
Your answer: 2.18
